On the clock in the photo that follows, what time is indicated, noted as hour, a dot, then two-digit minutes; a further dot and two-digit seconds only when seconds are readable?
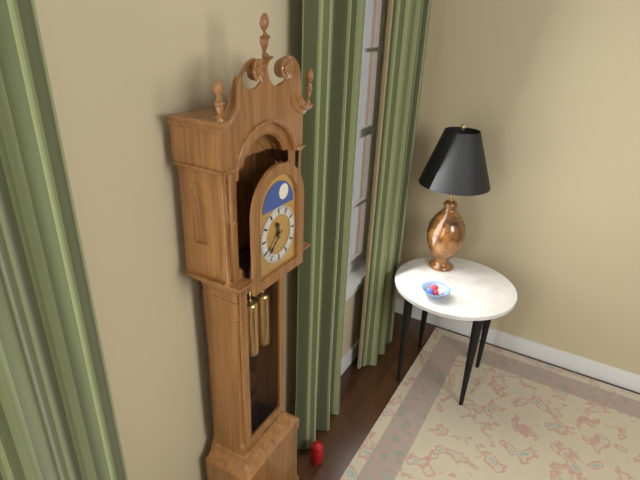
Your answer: 11.38
